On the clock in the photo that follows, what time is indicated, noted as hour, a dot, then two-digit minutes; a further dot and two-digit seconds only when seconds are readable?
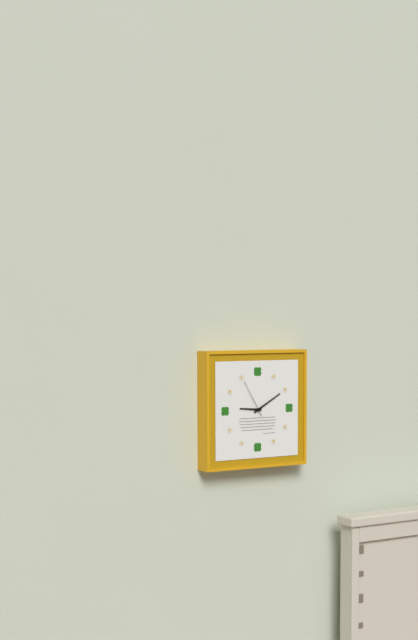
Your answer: 9.10
